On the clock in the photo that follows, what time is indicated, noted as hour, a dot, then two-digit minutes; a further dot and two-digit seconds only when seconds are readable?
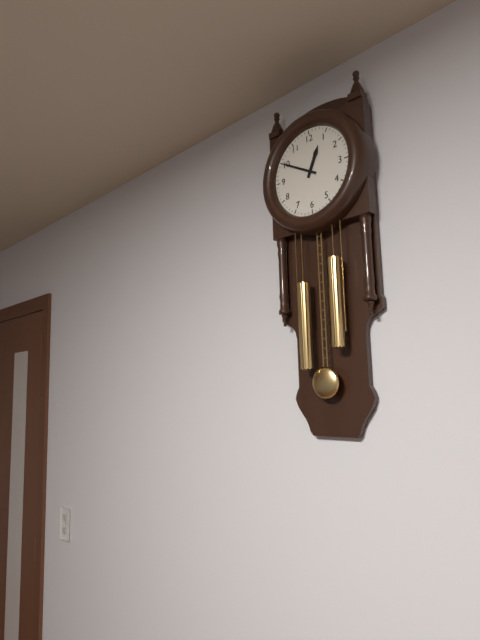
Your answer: 12.50
